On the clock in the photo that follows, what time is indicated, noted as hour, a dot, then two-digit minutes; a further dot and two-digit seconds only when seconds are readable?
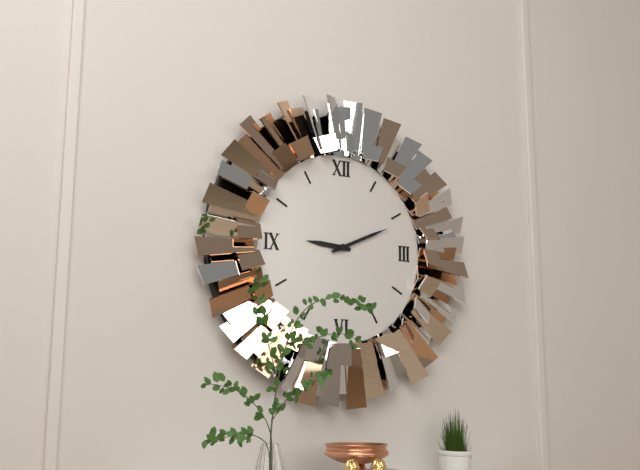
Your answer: 9.11
